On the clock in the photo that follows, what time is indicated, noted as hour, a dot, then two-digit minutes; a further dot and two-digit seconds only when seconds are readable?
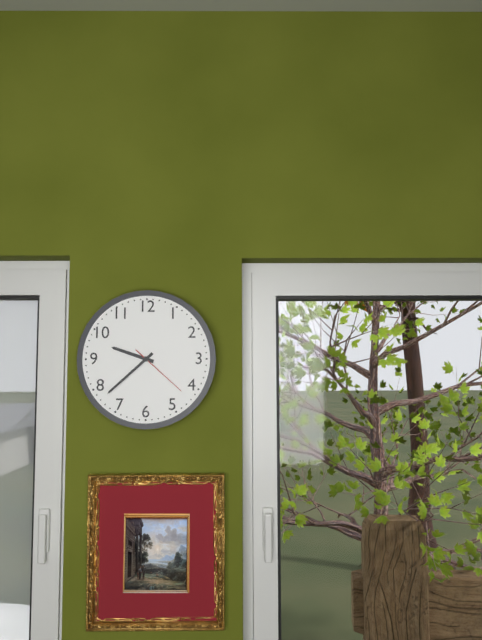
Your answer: 9.38.22
